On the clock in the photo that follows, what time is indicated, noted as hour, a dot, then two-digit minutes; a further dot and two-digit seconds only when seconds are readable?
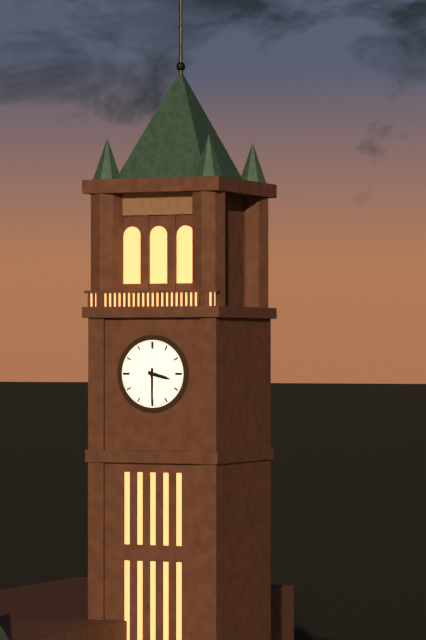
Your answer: 3.30
